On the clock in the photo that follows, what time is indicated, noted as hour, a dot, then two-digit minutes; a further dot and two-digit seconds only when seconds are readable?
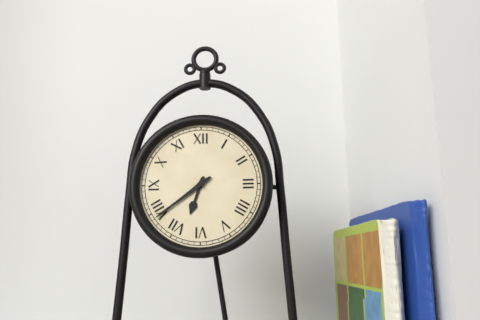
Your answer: 6.39
